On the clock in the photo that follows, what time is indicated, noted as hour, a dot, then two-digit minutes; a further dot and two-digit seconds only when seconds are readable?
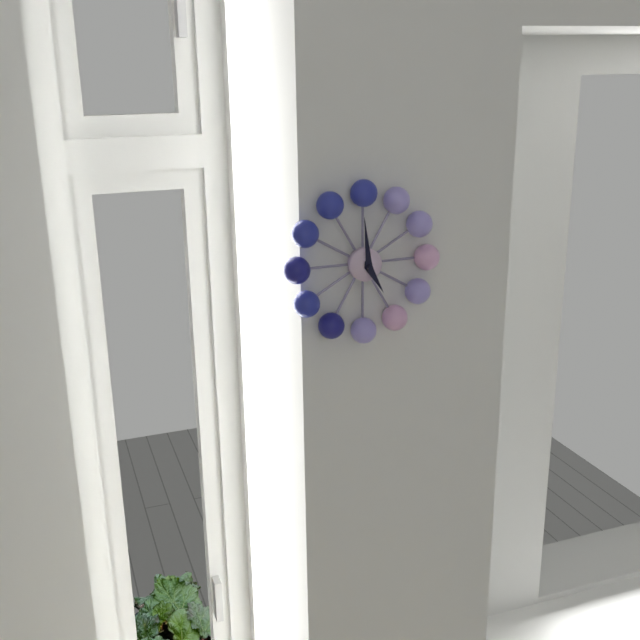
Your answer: 4.59
